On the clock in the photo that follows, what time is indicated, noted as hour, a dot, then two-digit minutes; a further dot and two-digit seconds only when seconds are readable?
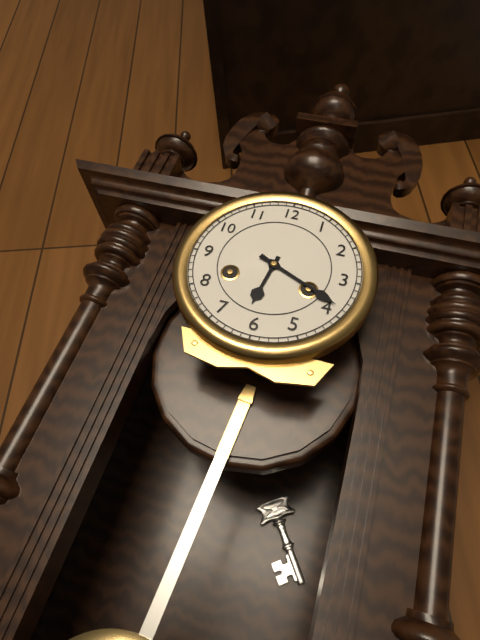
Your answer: 6.19
